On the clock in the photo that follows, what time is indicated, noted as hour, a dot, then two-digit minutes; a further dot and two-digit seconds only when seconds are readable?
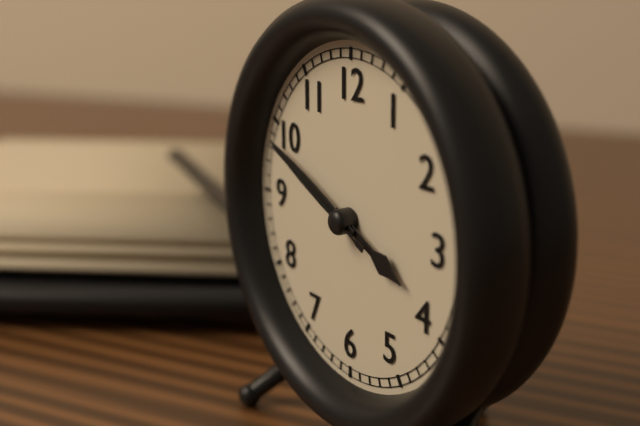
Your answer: 3.49.49
